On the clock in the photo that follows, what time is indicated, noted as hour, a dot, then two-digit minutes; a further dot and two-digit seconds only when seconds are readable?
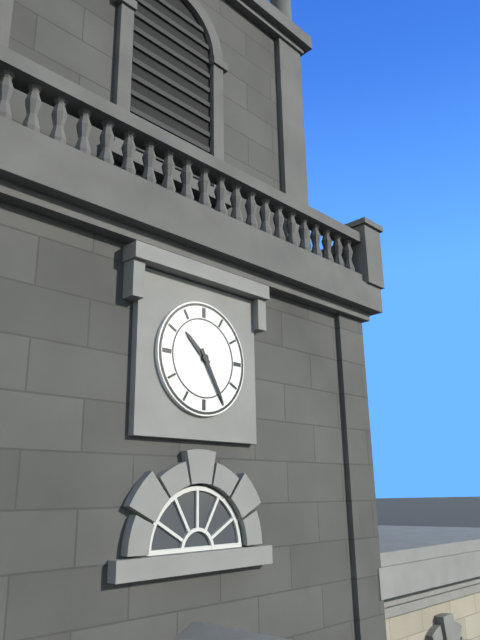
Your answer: 10.25
